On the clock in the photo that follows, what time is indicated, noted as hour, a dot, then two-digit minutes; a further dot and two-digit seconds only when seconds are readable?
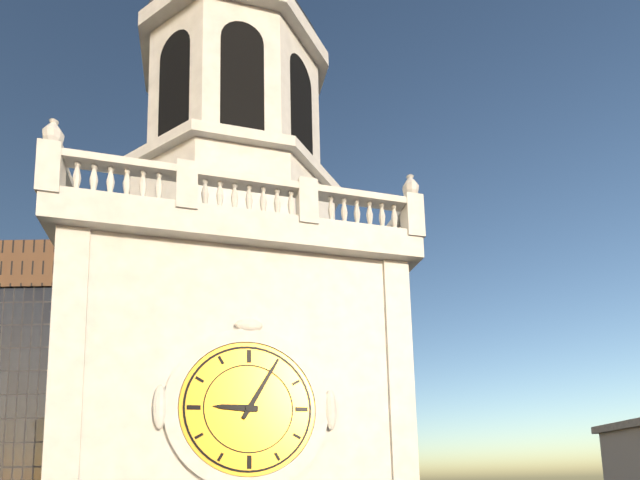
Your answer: 9.05
